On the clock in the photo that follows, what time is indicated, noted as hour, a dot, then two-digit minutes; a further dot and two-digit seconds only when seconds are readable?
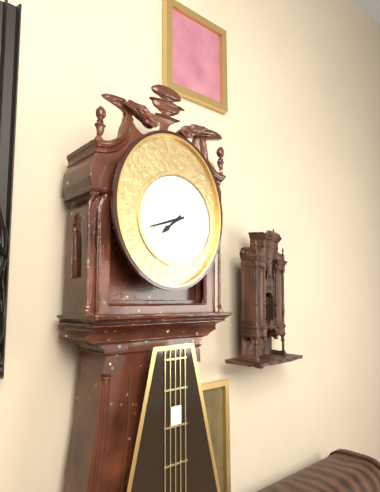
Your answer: 7.42
